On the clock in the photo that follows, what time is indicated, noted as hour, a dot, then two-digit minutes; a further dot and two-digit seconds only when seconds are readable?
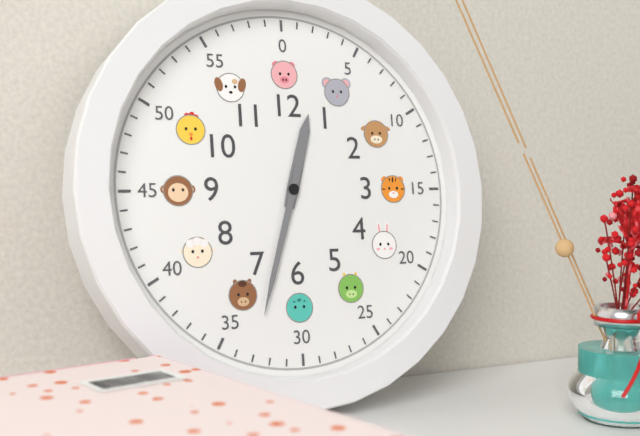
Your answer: 12.33
